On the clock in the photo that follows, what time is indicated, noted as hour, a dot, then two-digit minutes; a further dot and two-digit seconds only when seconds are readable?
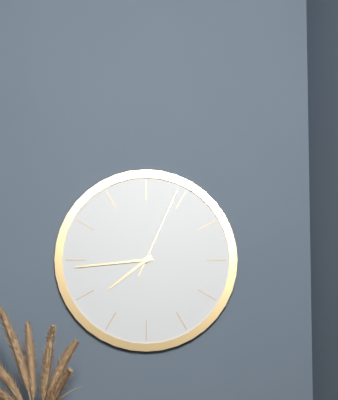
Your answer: 7.44.04
